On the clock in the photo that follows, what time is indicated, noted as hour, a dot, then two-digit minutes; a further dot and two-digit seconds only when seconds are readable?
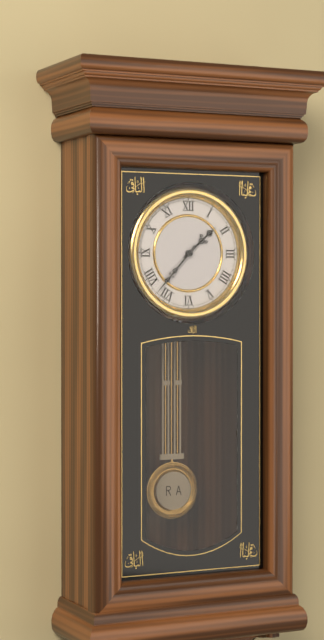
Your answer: 1.37
